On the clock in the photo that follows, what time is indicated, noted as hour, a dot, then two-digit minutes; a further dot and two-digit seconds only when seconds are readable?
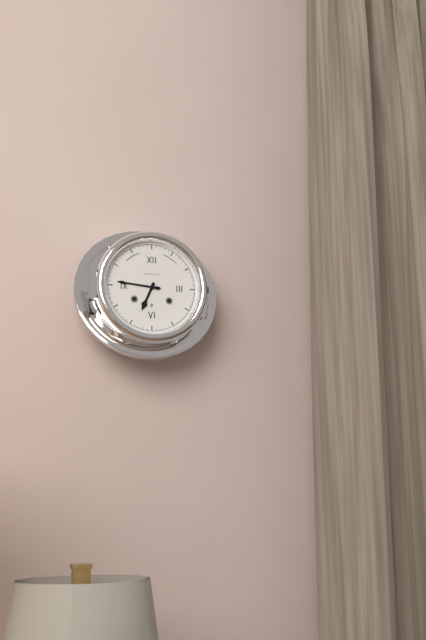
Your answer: 6.46
